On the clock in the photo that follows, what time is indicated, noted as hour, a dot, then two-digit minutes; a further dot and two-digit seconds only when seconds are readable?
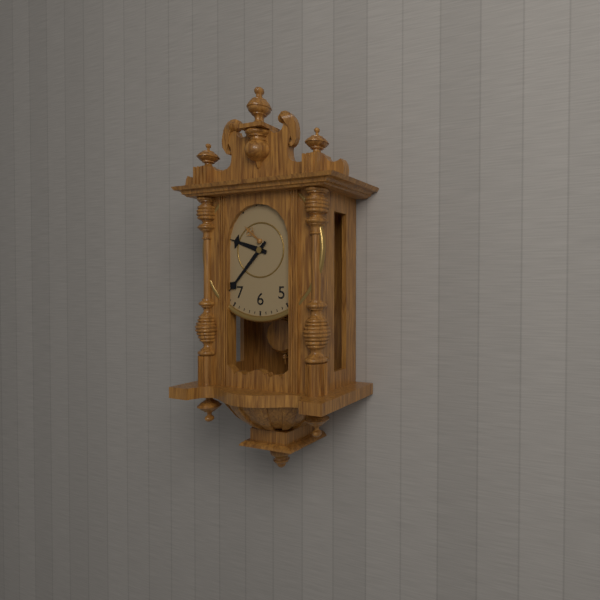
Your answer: 9.37
